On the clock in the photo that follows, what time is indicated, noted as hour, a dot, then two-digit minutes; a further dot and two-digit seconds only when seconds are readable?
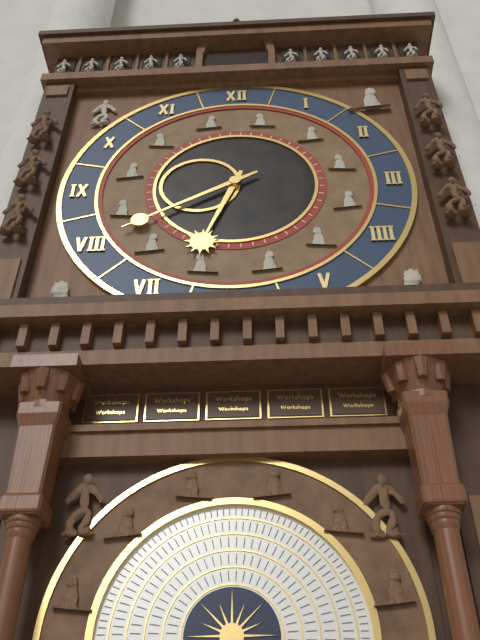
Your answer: 6.40
